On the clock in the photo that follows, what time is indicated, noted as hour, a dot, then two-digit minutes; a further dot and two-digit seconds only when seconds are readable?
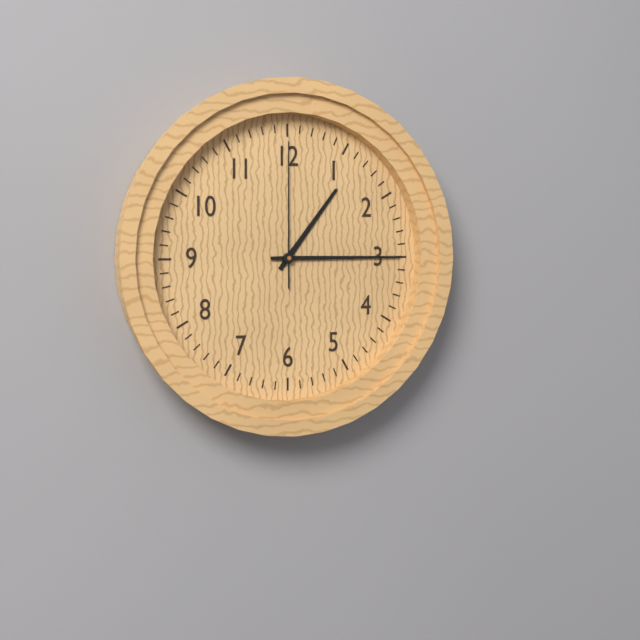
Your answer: 1.15.00
